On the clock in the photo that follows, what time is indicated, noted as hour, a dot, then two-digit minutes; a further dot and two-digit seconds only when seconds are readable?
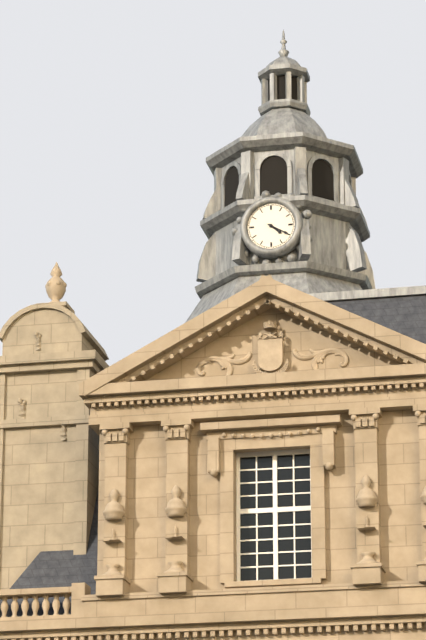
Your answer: 4.20
